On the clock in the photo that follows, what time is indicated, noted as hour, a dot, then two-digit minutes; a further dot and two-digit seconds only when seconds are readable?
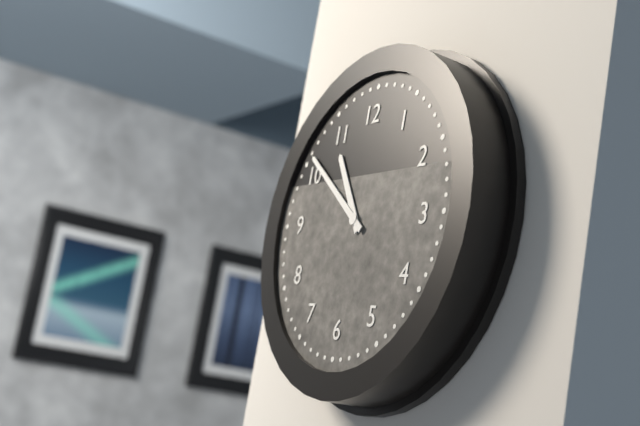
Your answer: 10.51
